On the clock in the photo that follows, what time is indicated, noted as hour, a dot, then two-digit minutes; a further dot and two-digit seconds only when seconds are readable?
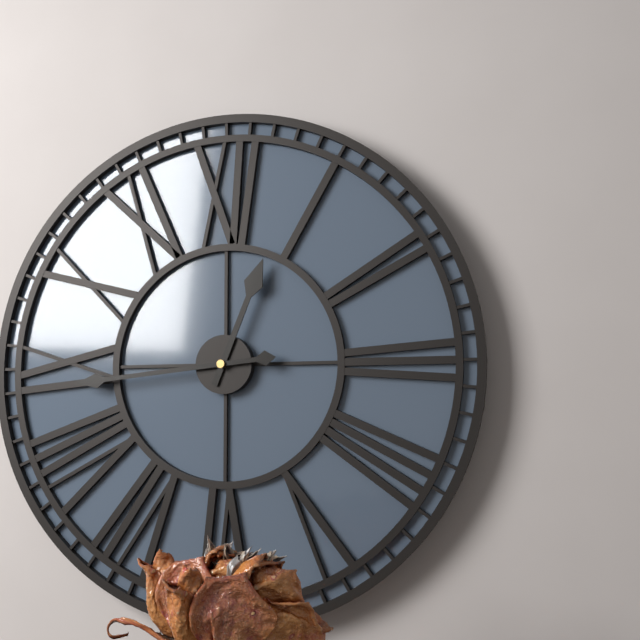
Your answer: 12.44
